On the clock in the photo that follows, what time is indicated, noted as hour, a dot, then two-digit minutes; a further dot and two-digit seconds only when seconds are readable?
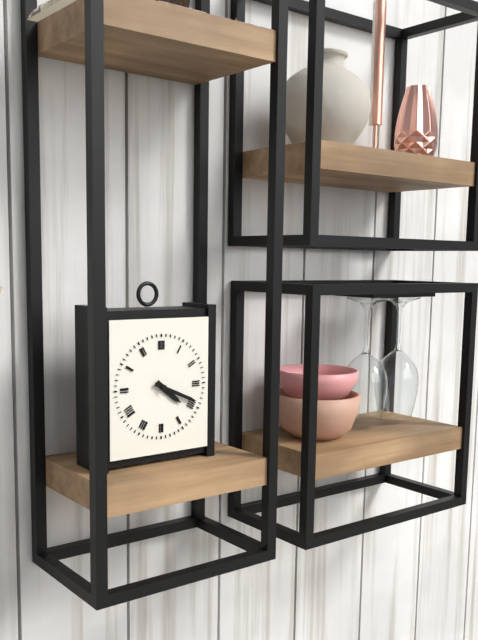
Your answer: 4.19
